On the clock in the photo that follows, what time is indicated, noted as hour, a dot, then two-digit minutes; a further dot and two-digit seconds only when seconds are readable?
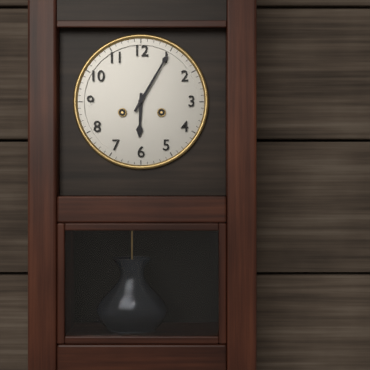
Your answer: 6.05
